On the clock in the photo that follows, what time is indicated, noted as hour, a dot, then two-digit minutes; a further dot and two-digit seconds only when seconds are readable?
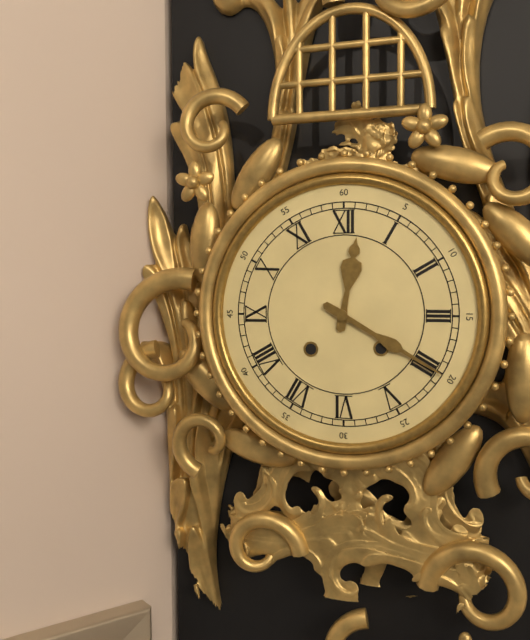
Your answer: 12.20
